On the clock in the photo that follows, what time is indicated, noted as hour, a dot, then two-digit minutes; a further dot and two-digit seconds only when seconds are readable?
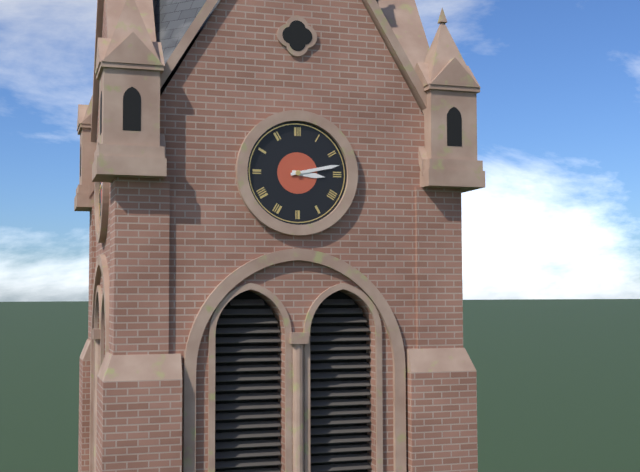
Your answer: 3.13
